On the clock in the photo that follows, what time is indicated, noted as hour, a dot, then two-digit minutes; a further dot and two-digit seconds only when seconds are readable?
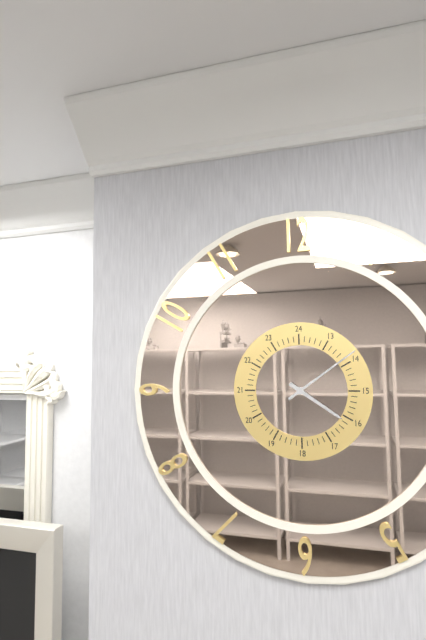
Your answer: 4.09
